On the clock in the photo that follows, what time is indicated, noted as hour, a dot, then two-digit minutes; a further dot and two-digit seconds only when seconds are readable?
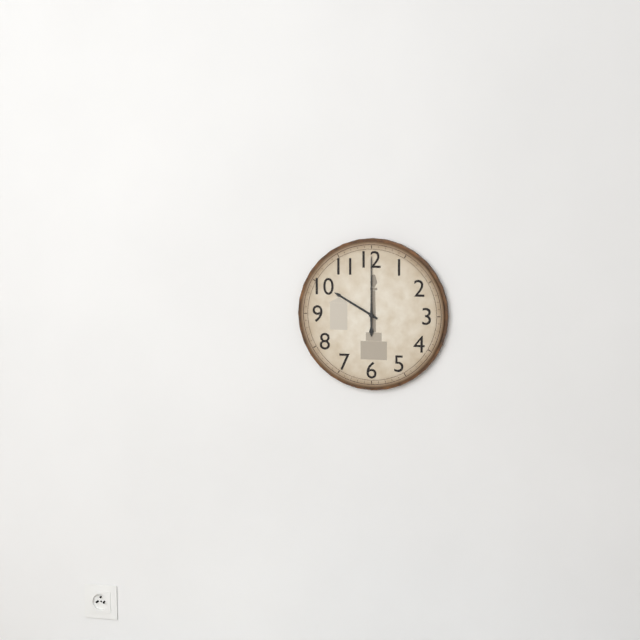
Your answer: 10.00
